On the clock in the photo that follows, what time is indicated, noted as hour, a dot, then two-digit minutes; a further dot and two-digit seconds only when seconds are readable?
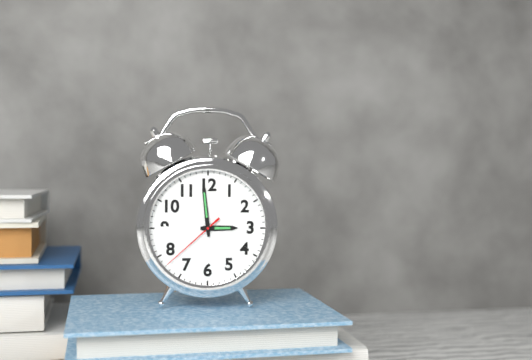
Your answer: 2.59.38
